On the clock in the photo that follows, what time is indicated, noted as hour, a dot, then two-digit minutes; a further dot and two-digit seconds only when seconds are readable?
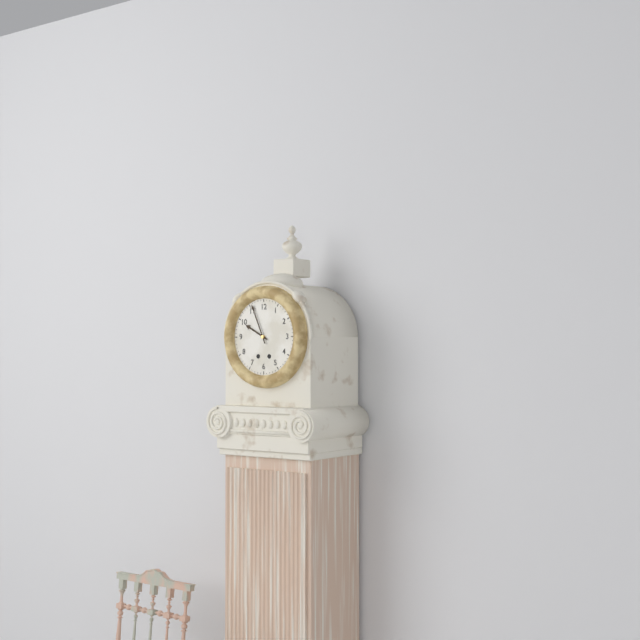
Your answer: 9.56
